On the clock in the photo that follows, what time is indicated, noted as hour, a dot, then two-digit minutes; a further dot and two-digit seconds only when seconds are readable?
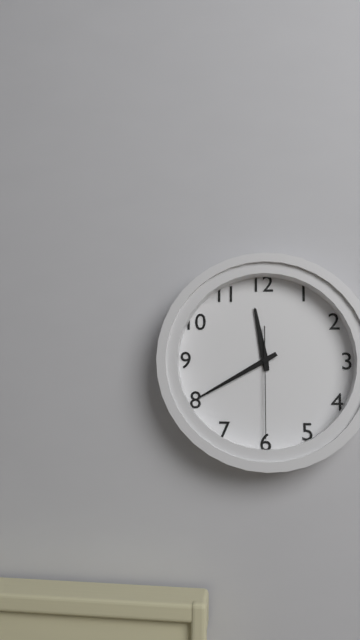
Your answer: 11.40.30
